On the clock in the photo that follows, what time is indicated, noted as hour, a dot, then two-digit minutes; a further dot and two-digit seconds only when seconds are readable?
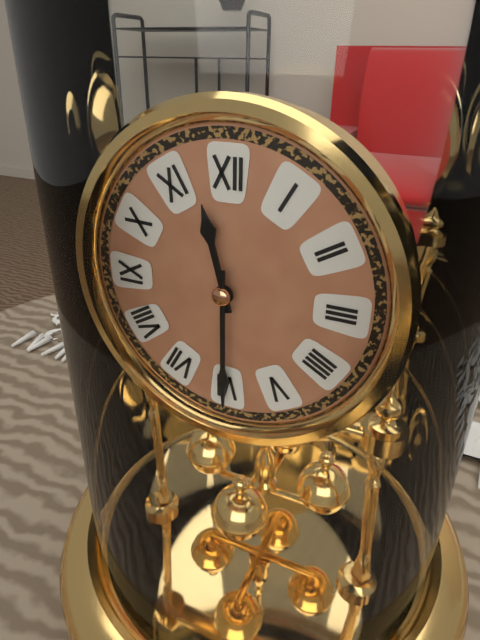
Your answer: 11.30
